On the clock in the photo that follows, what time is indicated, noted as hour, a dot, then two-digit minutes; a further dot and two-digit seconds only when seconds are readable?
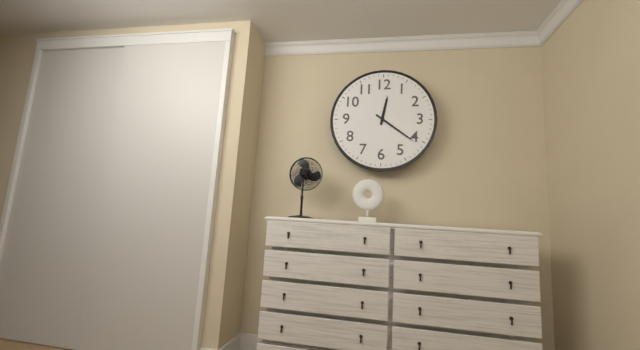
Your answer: 12.21
